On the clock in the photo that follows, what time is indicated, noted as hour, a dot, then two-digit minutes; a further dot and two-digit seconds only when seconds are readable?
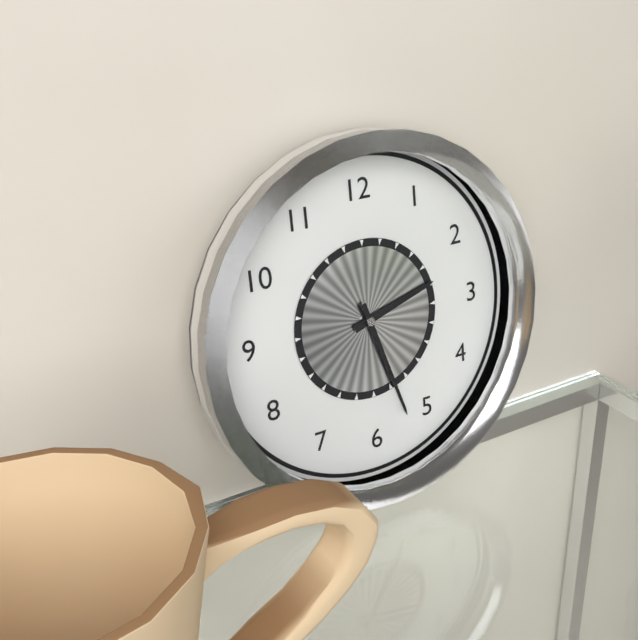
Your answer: 2.27
